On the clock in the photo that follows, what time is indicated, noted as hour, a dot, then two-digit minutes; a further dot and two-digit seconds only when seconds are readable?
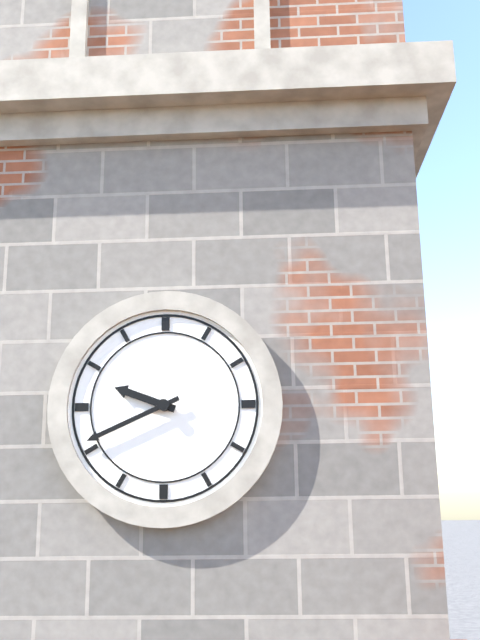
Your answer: 9.41
